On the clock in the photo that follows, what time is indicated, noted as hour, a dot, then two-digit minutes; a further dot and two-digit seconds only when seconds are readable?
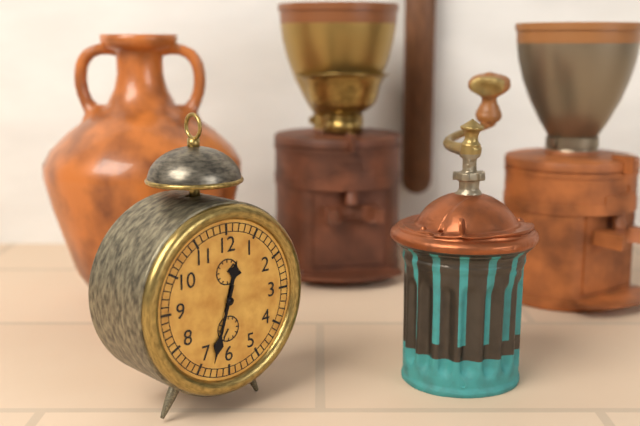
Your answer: 12.33
